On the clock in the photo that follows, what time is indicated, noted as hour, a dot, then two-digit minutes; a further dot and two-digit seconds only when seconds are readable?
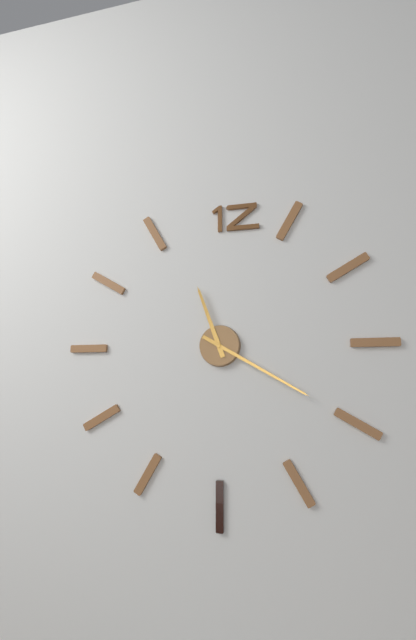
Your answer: 11.20
